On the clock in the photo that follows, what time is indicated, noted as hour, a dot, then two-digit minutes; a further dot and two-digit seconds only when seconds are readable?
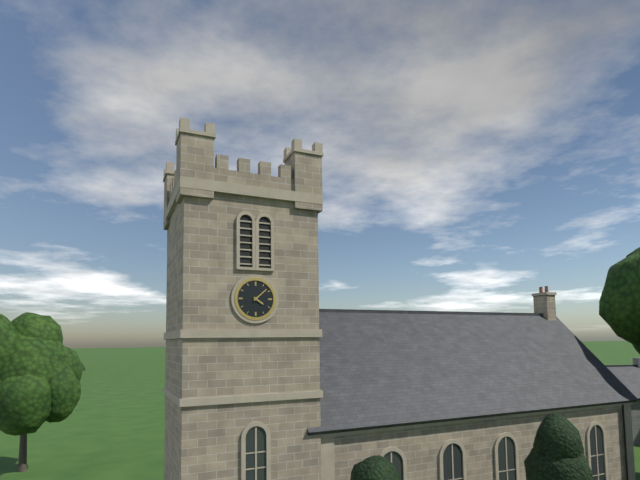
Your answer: 4.08
